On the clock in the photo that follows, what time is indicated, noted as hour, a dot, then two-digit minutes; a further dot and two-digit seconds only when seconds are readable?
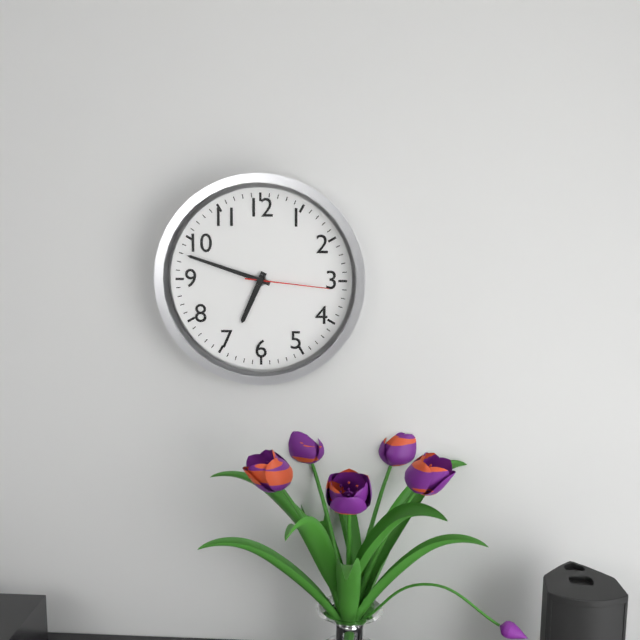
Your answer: 6.48.16
